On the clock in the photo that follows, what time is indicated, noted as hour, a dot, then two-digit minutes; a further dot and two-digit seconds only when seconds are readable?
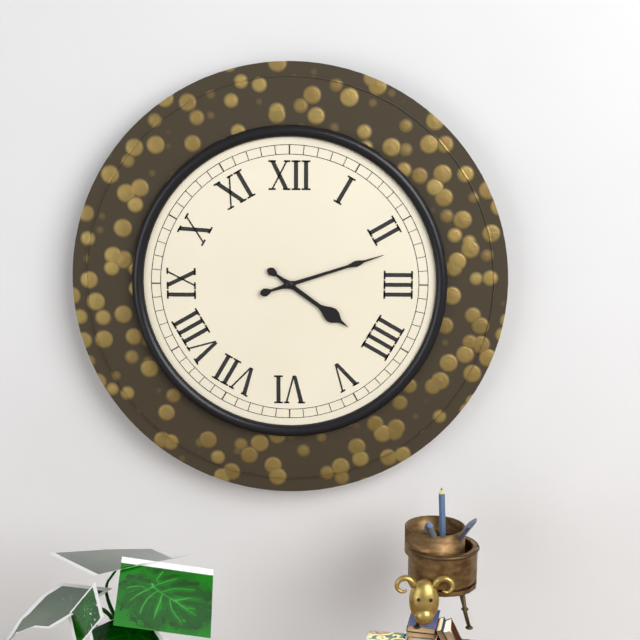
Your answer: 4.12
